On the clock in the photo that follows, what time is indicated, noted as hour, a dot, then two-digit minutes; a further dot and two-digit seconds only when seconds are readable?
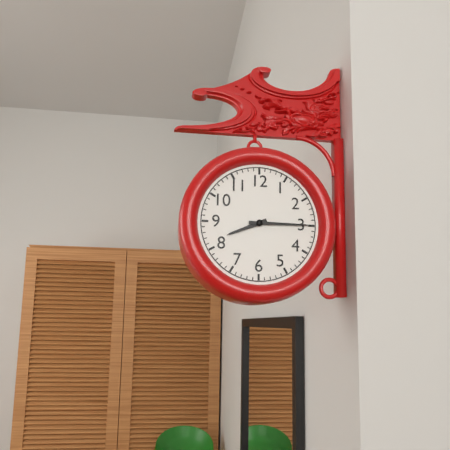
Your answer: 8.15
